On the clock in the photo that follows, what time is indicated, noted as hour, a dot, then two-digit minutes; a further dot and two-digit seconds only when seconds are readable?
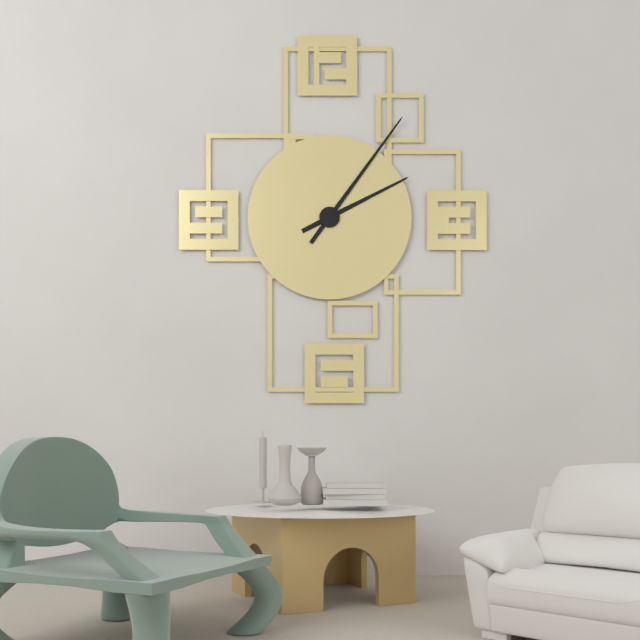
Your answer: 2.06
